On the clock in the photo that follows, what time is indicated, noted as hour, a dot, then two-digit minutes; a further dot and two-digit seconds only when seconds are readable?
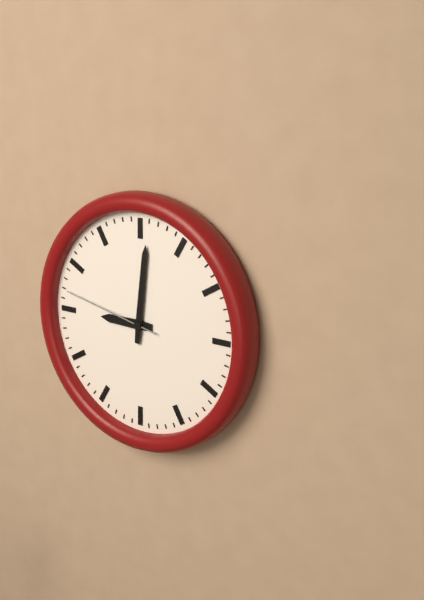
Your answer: 9.01.47
